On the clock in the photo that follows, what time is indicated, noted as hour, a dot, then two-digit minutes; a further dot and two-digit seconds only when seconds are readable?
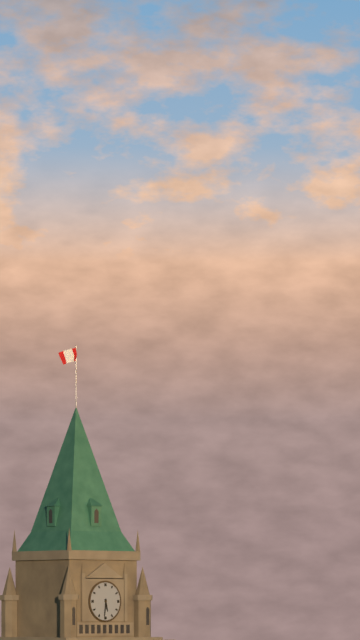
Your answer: 5.31
